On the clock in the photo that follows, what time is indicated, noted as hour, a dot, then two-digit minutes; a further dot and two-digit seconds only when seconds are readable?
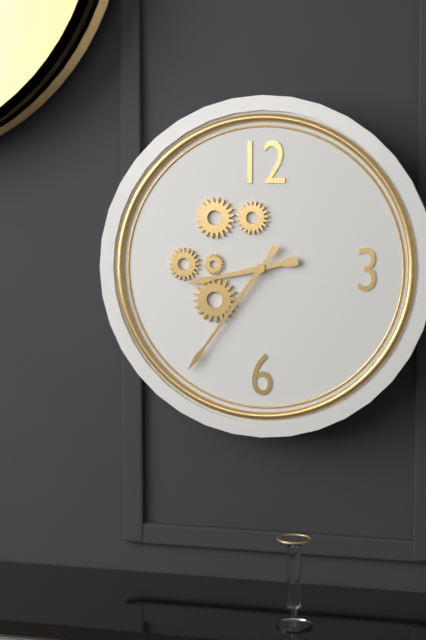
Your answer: 8.36
